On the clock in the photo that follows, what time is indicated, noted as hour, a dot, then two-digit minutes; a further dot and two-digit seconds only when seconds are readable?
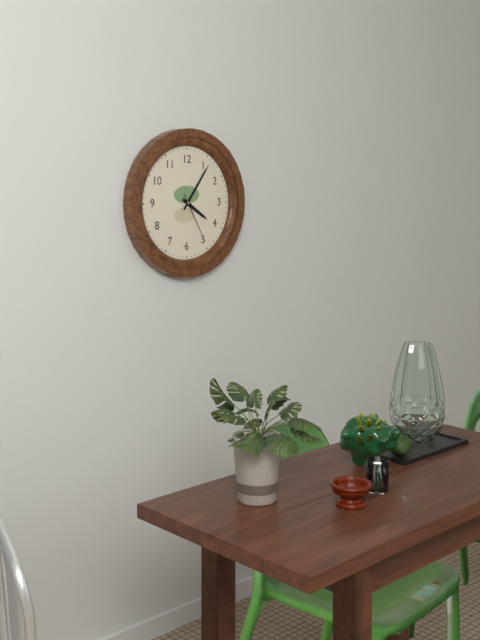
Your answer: 4.06
